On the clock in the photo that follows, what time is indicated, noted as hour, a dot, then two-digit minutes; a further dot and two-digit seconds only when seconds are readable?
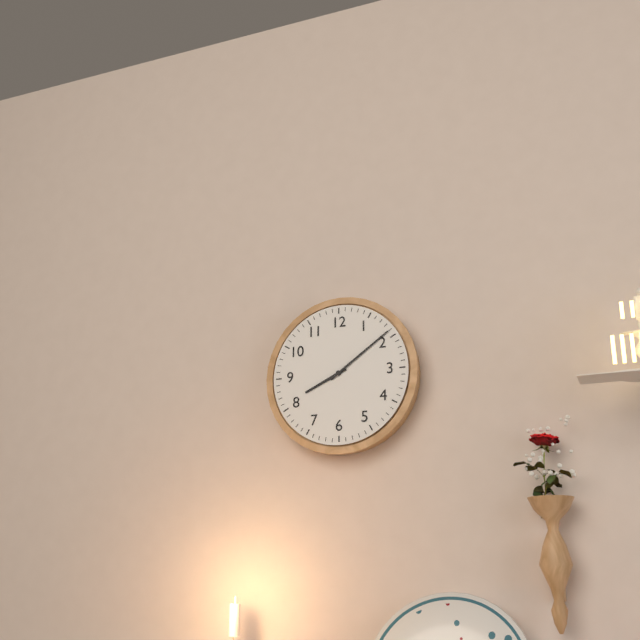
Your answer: 8.09
